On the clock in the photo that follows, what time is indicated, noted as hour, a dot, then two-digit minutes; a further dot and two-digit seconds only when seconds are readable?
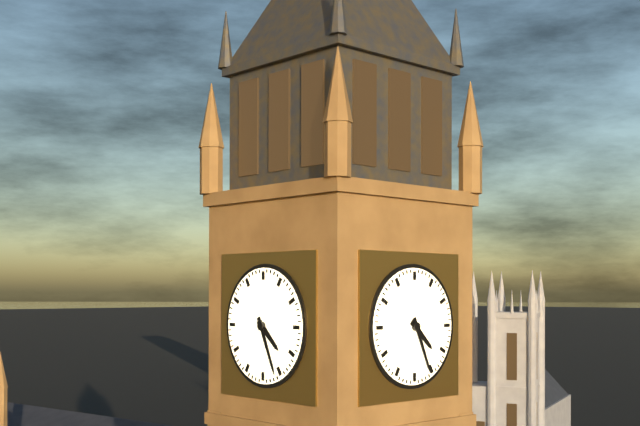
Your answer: 4.26
